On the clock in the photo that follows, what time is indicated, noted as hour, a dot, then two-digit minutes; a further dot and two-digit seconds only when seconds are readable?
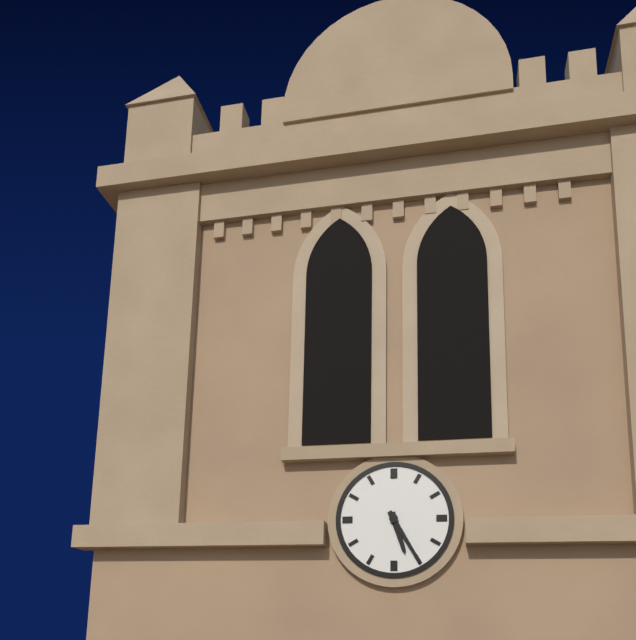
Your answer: 5.25
